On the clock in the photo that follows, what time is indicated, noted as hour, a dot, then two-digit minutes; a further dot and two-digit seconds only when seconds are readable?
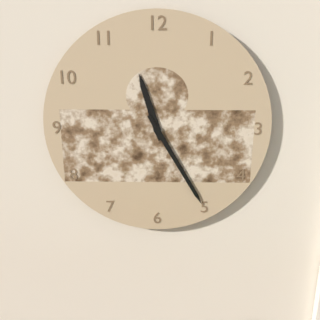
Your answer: 11.25
